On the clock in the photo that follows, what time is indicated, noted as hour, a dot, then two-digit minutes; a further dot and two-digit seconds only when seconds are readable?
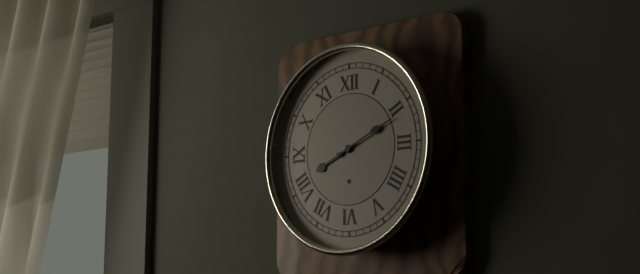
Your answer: 8.11
